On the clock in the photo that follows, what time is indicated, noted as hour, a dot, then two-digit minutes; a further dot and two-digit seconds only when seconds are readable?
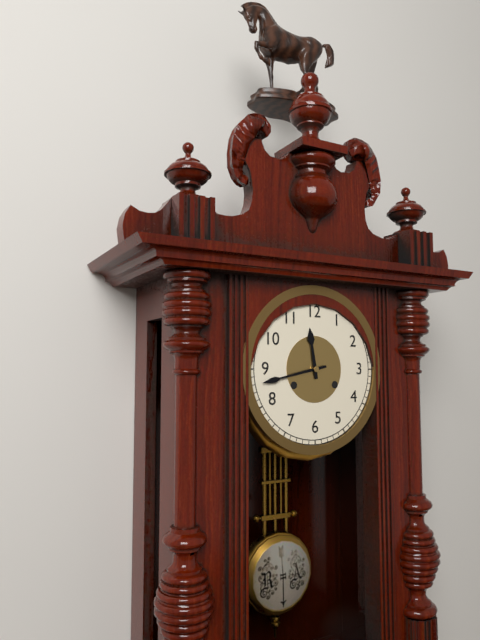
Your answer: 11.43
